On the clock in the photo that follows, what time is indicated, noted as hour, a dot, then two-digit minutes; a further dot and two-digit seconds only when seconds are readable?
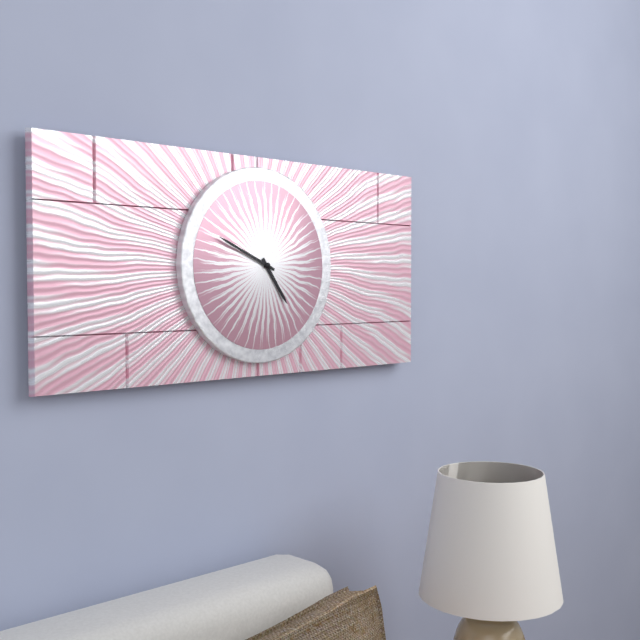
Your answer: 4.49
